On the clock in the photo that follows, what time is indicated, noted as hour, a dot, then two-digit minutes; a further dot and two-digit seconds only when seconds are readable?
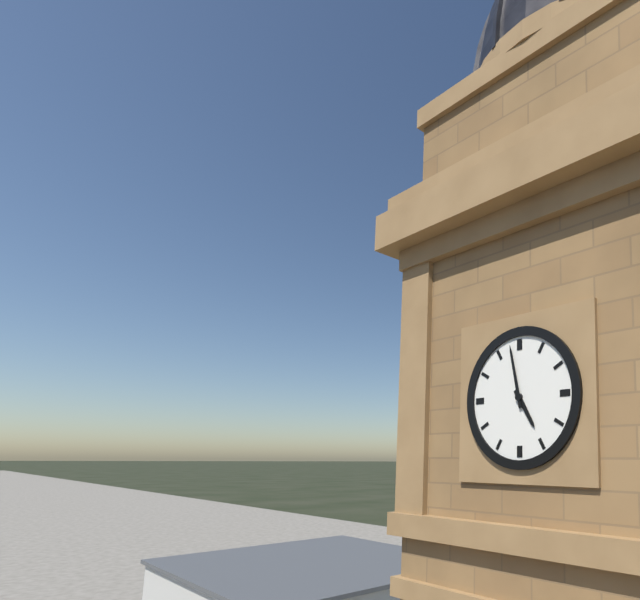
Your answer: 4.58
